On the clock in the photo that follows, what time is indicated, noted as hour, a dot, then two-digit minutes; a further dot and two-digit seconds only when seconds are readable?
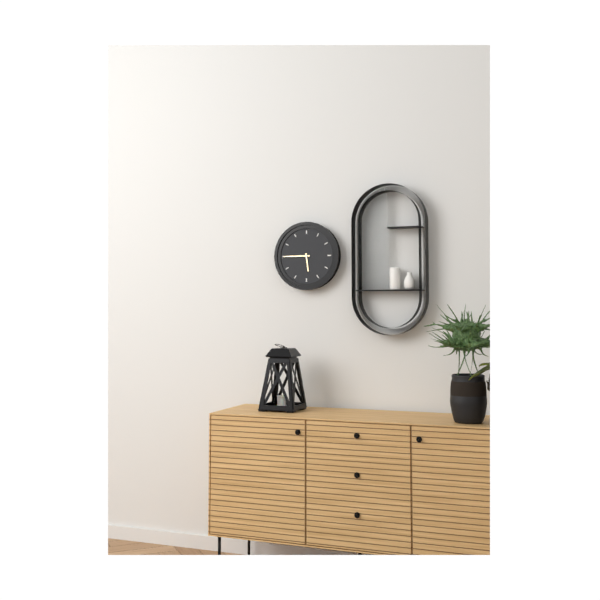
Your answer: 5.45
